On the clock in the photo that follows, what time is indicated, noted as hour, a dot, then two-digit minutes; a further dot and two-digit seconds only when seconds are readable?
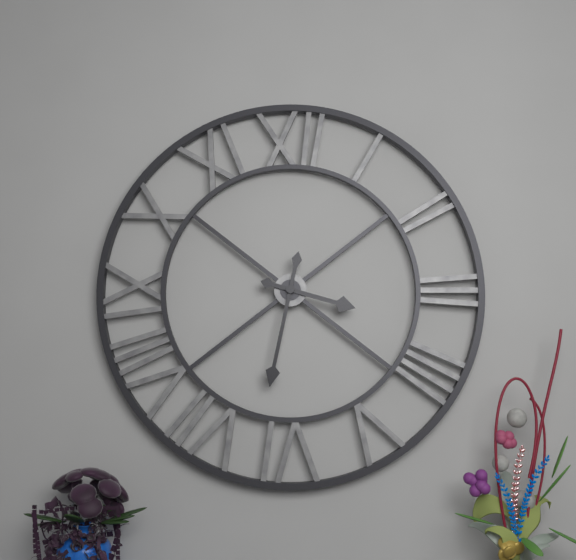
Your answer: 3.32
